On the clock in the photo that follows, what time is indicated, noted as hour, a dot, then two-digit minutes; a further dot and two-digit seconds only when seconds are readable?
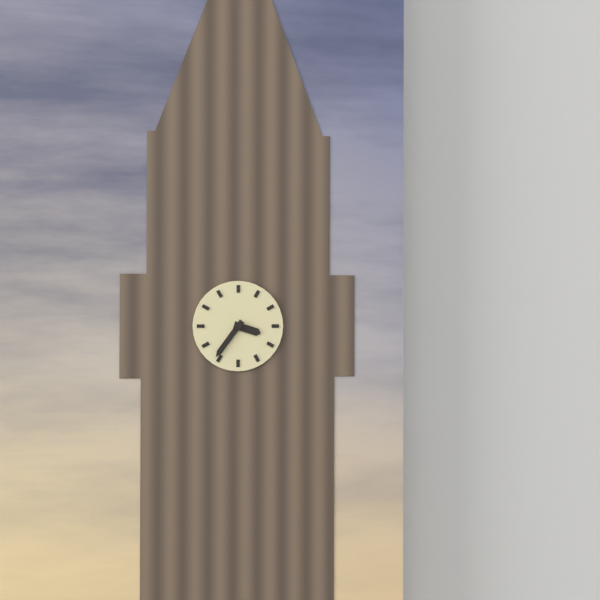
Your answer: 3.36
